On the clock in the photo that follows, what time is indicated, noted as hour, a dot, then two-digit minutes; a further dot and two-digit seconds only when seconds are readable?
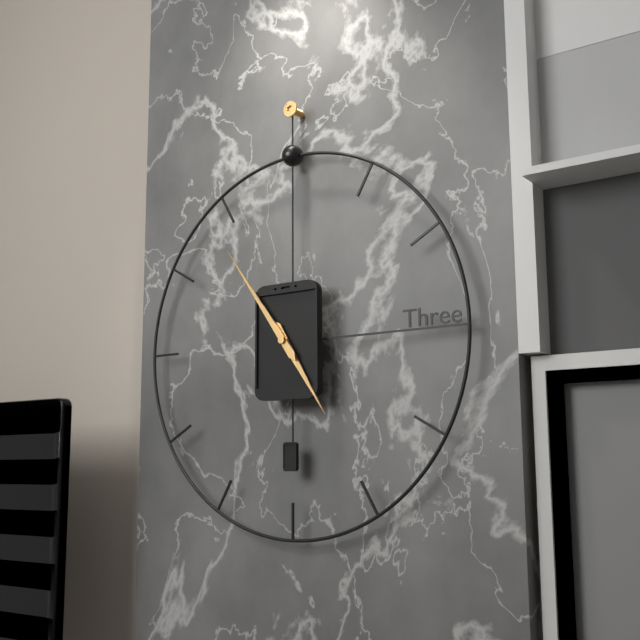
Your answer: 4.54
